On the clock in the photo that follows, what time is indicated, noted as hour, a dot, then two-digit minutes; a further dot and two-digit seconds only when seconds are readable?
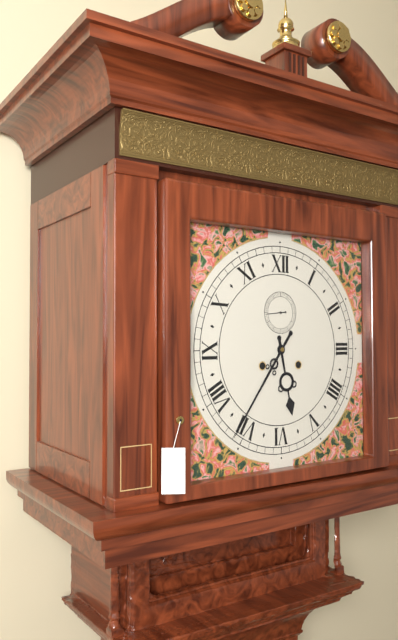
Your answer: 5.36
